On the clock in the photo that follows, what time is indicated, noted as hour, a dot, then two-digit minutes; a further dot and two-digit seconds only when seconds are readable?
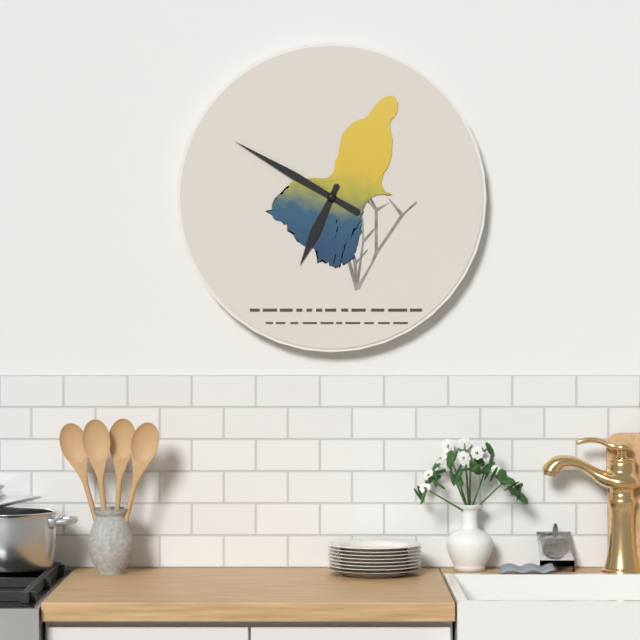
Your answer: 6.50
